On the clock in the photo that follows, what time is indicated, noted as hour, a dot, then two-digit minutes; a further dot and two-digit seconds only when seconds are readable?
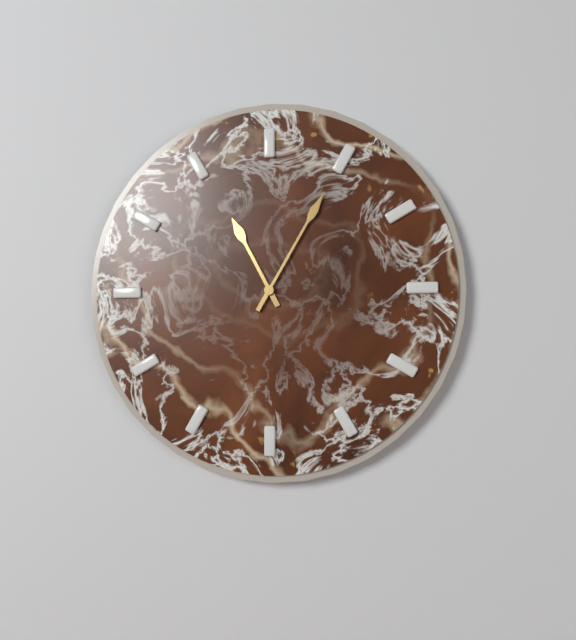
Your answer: 11.05
